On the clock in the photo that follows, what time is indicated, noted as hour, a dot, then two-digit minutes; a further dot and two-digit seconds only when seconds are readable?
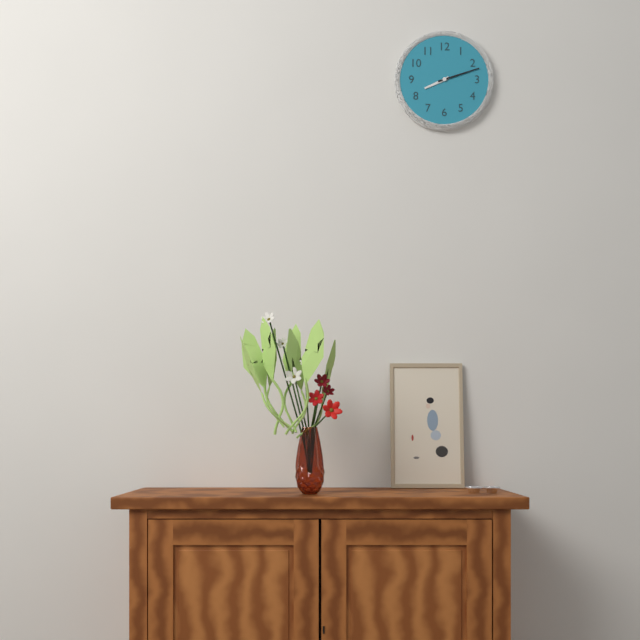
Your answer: 8.12
